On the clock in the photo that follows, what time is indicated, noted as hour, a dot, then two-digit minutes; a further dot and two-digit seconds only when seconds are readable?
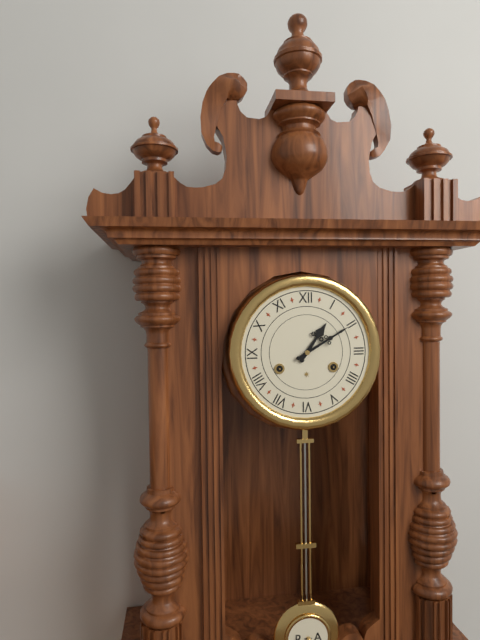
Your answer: 1.10
